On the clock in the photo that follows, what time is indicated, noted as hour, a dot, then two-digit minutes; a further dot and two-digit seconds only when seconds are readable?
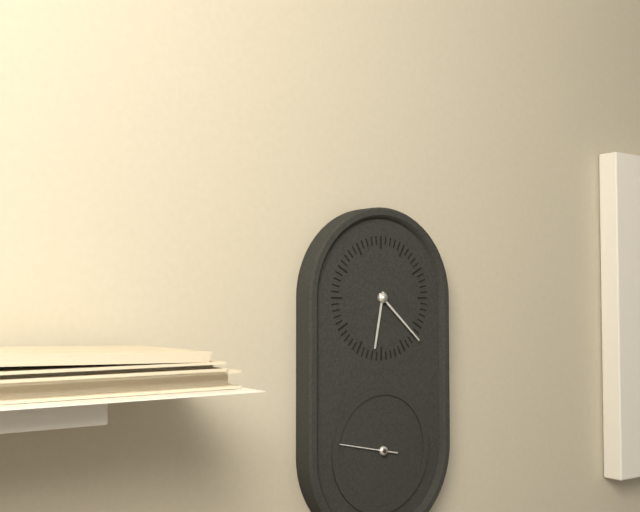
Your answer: 6.22.47
